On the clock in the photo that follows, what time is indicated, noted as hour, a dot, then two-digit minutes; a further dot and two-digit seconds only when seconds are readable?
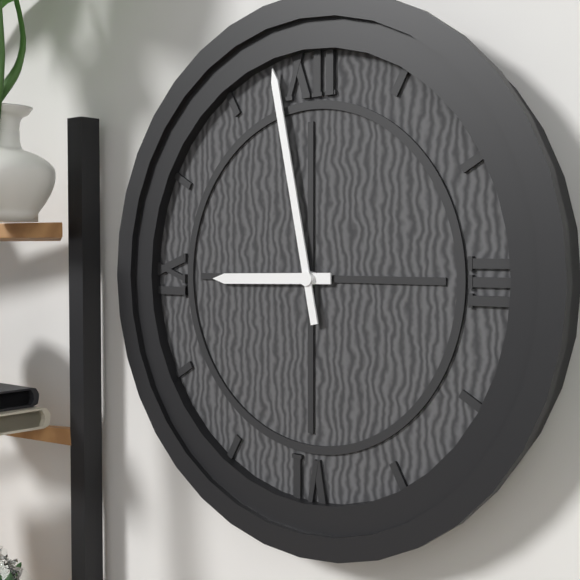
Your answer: 8.58
